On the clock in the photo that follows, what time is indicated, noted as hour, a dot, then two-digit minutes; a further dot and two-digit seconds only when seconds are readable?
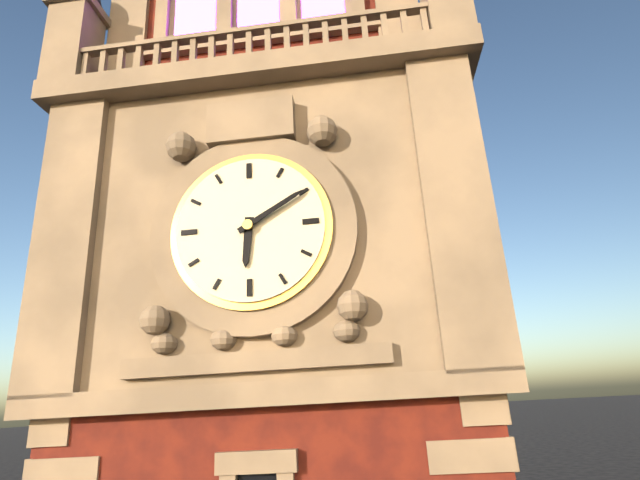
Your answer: 6.10
